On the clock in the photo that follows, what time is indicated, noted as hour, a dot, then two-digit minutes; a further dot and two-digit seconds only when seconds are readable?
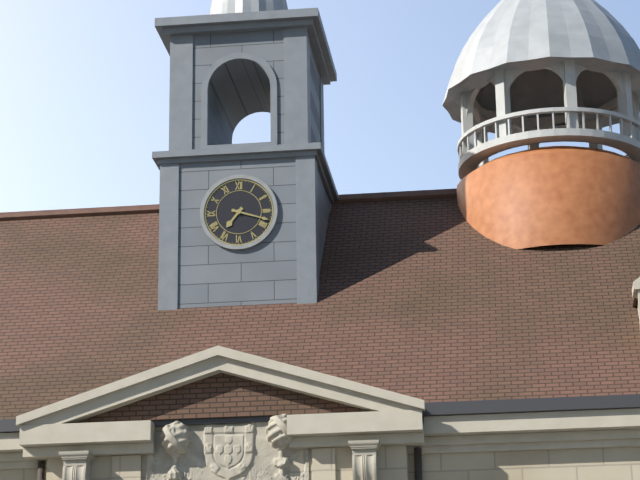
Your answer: 7.18
